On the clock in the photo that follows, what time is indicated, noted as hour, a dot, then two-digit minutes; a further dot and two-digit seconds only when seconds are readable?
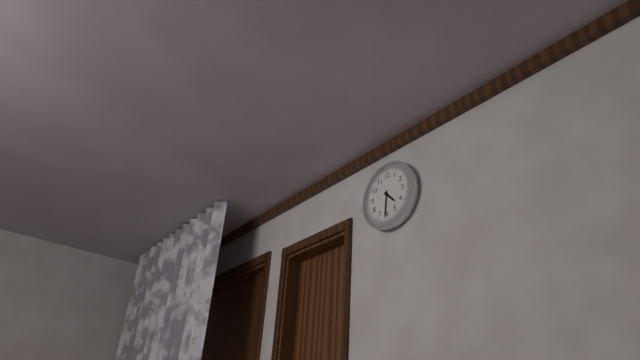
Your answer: 4.31
